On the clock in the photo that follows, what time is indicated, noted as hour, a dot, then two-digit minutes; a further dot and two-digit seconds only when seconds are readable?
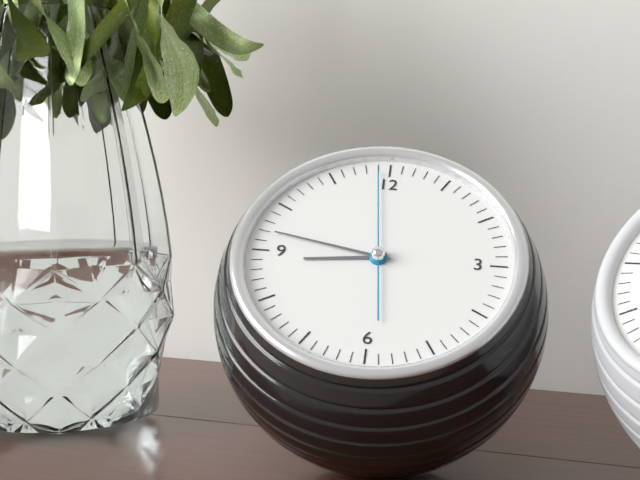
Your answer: 8.47.59
